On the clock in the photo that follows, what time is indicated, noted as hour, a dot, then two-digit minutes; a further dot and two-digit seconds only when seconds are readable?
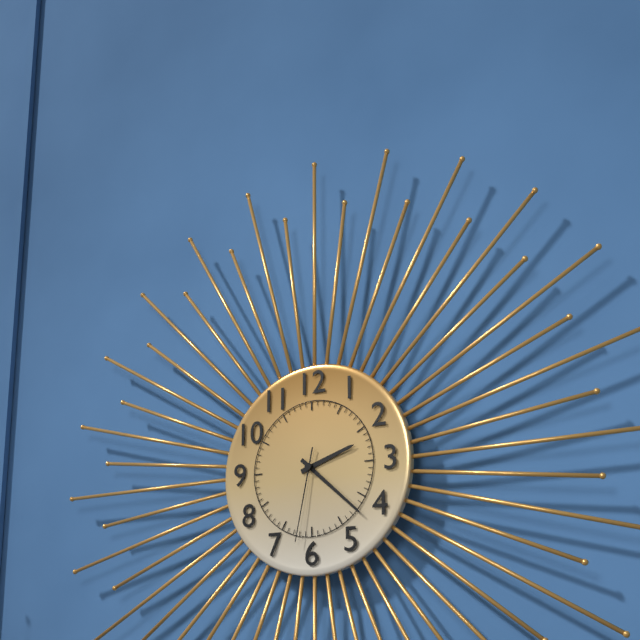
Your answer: 2.22.32
